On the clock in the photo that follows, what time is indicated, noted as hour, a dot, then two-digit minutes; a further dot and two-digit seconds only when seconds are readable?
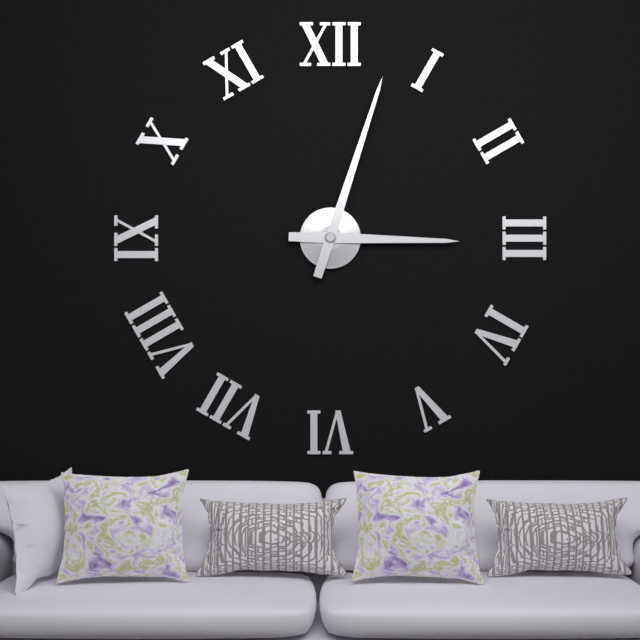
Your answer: 3.03
